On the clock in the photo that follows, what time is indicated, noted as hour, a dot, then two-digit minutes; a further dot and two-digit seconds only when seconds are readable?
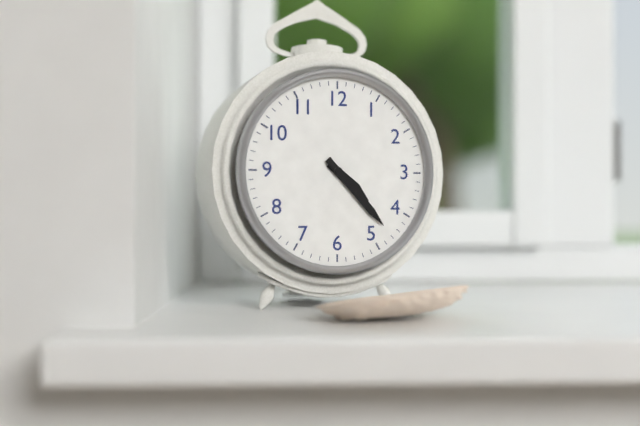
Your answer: 4.23
